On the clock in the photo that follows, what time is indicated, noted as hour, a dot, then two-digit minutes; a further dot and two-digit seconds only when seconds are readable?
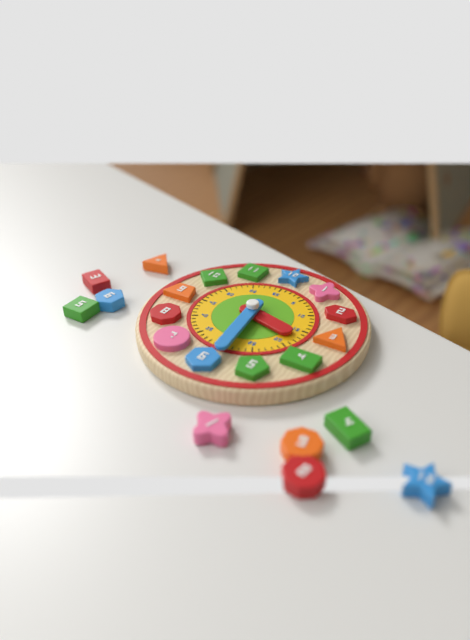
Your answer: 3.29
